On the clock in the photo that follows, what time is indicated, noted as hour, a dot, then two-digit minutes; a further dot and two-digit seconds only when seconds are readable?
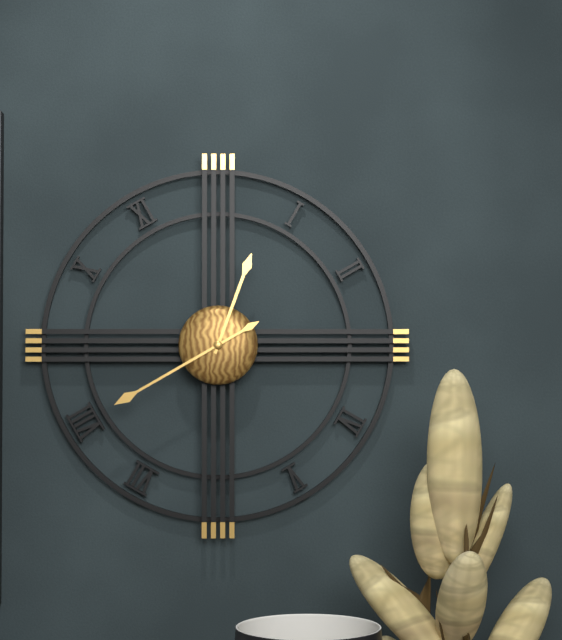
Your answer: 12.40
